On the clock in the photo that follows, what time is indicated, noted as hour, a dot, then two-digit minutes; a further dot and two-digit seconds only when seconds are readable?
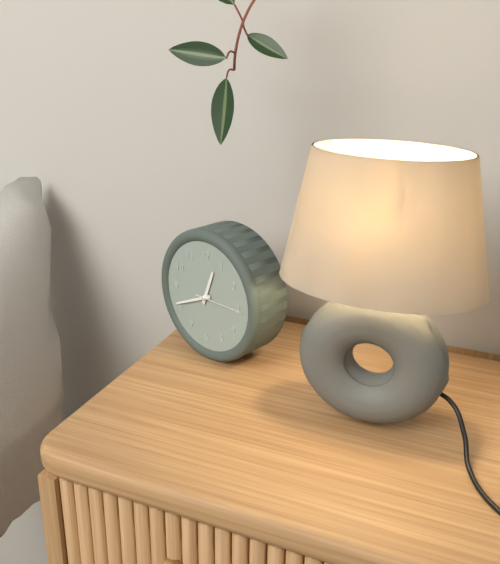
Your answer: 12.41
